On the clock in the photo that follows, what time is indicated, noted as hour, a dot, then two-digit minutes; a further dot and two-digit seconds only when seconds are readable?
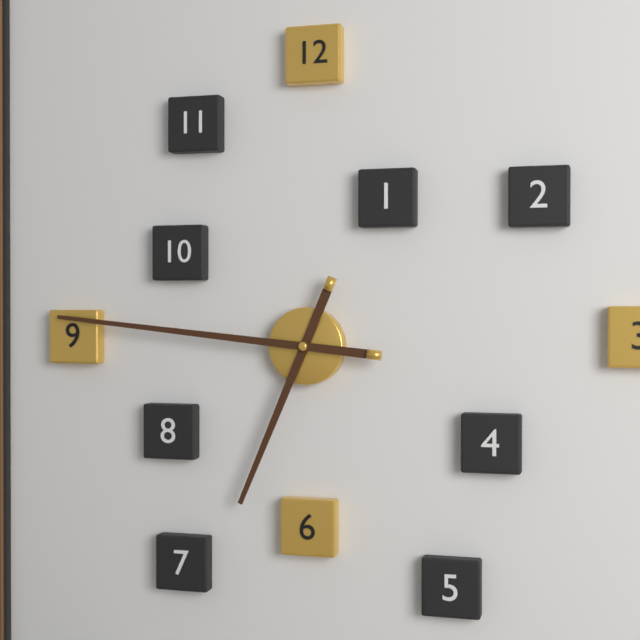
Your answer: 6.46
